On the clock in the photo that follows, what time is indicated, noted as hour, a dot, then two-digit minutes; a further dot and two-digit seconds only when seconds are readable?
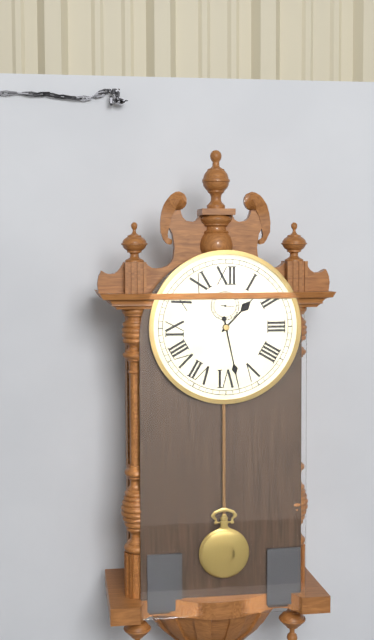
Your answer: 1.28
